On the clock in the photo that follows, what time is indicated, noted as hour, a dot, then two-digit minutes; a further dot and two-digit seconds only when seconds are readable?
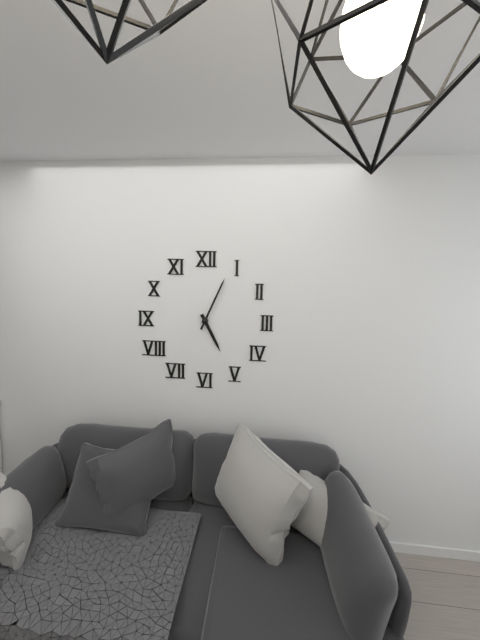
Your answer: 5.04
